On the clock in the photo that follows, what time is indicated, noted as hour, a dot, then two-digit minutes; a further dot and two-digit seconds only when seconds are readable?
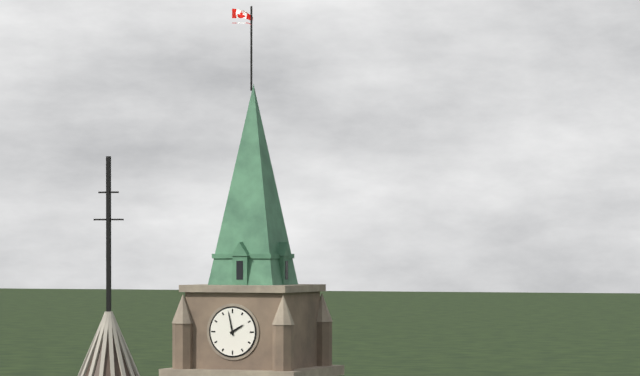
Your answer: 1.58
